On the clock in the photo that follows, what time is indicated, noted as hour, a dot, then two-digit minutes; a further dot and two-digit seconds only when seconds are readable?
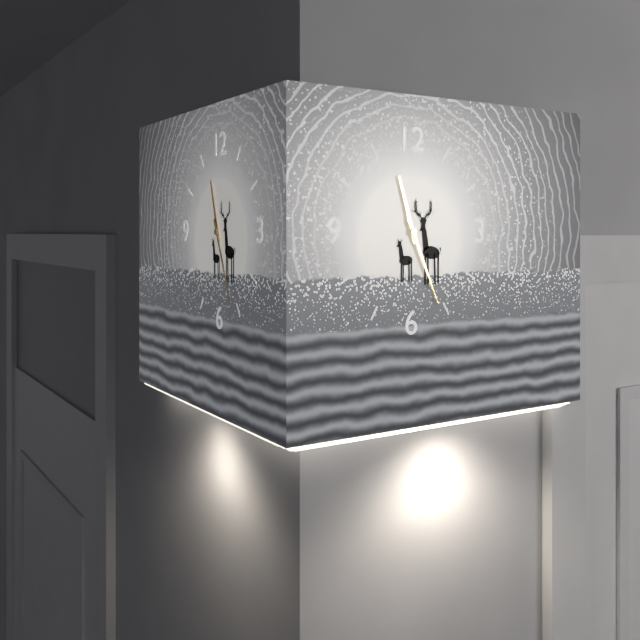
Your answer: 11.26
